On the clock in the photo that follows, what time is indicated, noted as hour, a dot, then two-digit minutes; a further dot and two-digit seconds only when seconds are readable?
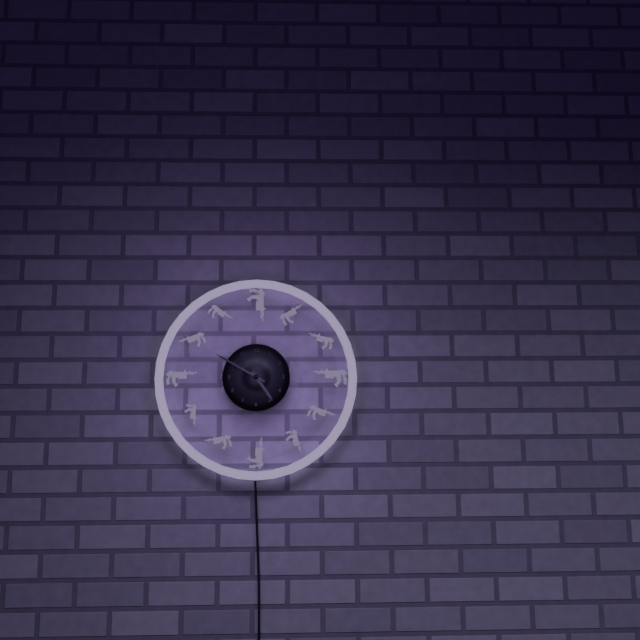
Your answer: 4.50
